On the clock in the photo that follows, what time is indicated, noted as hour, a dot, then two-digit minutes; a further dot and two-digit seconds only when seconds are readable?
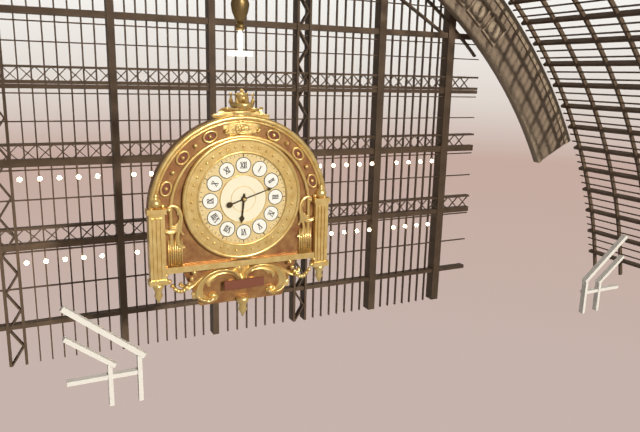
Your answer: 6.12
